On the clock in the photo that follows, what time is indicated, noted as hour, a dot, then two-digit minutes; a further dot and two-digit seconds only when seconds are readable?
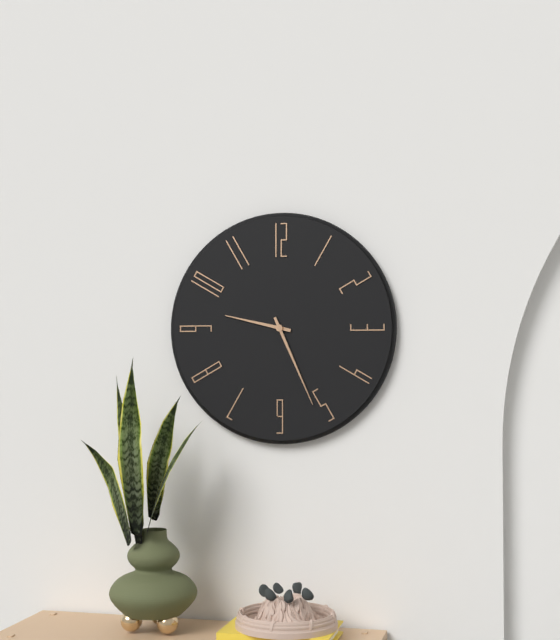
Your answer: 9.26
